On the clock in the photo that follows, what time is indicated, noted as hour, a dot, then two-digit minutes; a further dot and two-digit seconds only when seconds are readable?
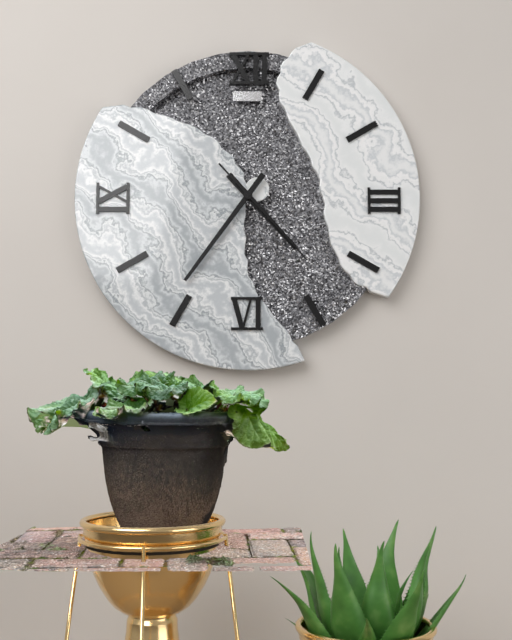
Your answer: 4.36.23
